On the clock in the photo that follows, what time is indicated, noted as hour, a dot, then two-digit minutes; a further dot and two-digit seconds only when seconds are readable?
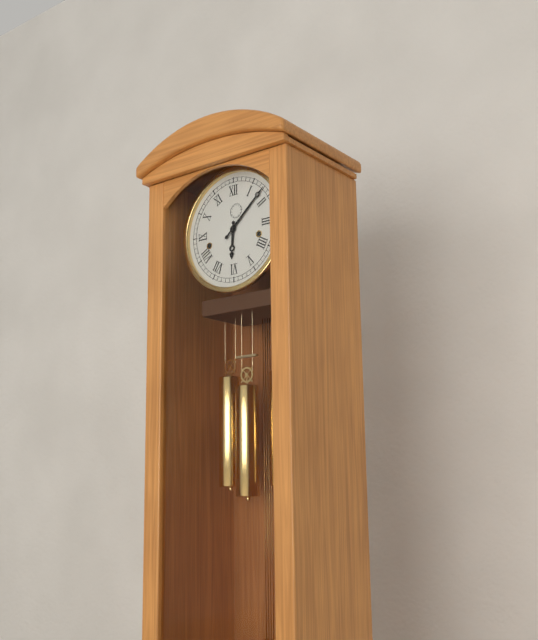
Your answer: 6.08
